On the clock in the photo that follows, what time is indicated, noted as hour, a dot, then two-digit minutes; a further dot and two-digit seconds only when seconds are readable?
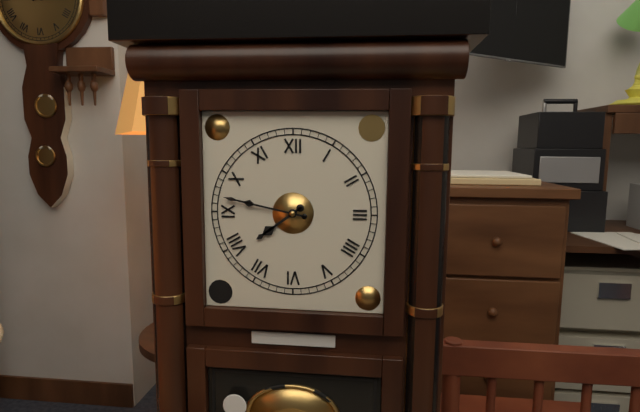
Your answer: 7.47
